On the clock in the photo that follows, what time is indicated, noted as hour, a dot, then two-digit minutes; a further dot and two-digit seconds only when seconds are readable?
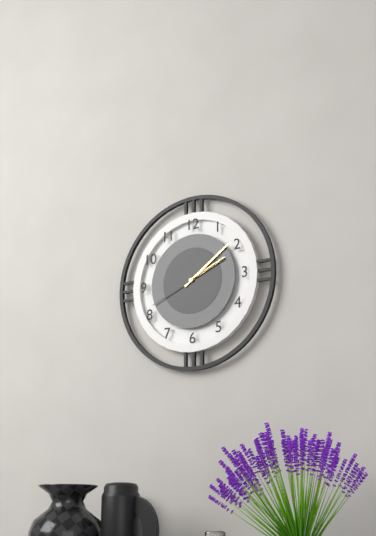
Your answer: 2.09.41
